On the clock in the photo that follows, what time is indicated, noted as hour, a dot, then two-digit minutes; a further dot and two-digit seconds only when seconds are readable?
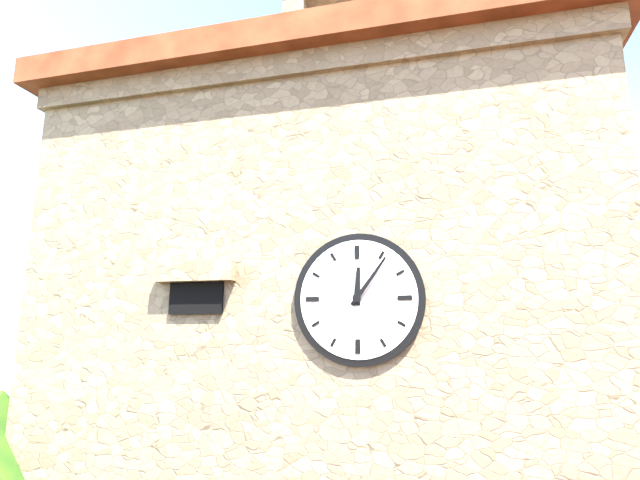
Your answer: 12.06
